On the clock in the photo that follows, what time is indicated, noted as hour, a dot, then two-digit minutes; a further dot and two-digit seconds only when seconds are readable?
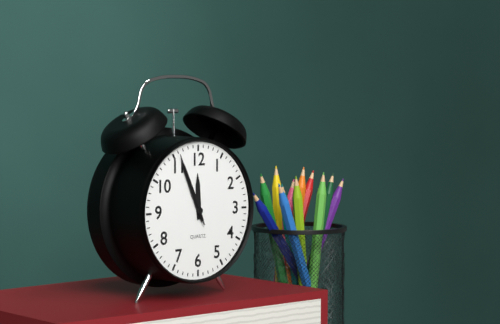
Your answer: 11.56.56
